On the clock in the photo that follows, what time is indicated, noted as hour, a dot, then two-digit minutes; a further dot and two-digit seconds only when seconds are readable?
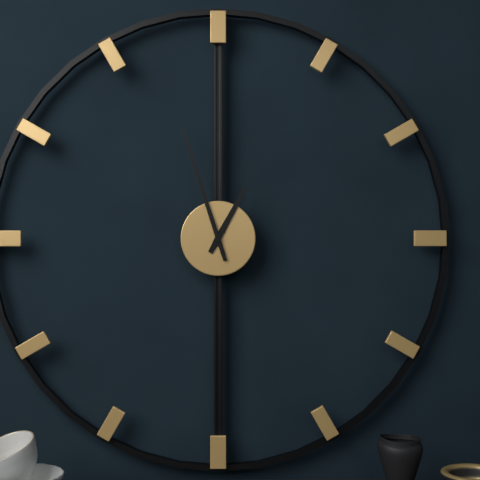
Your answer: 12.57
